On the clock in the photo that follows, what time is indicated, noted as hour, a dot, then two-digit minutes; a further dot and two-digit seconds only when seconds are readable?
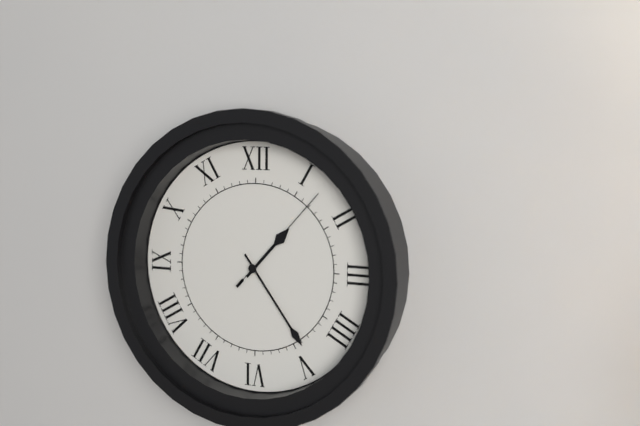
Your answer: 1.24.07
